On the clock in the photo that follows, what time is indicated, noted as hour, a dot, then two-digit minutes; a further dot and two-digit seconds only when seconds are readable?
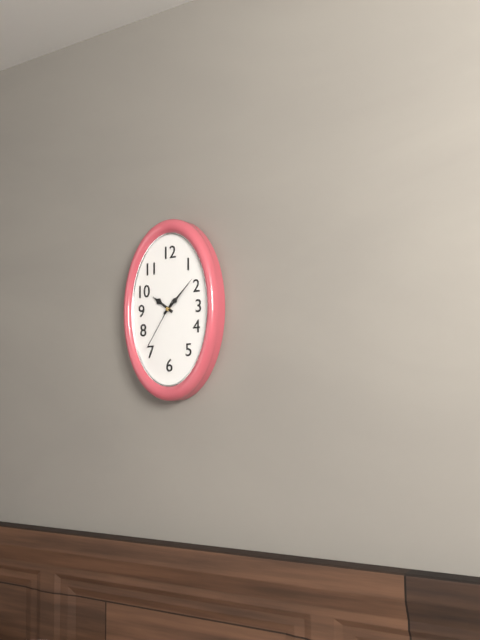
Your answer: 10.08.36
